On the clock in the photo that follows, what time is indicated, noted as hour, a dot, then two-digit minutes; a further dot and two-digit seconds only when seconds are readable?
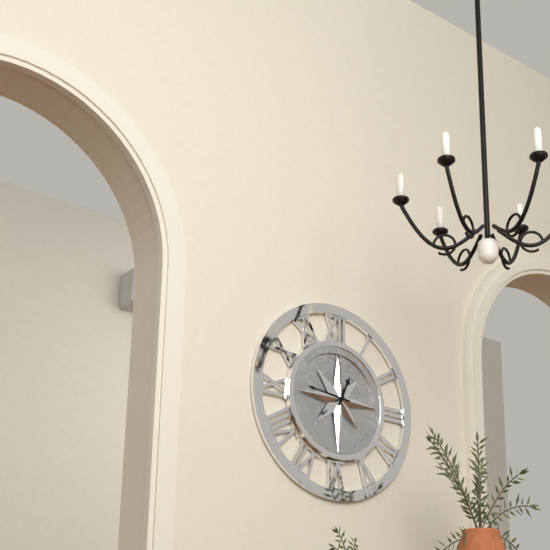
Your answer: 12.46
